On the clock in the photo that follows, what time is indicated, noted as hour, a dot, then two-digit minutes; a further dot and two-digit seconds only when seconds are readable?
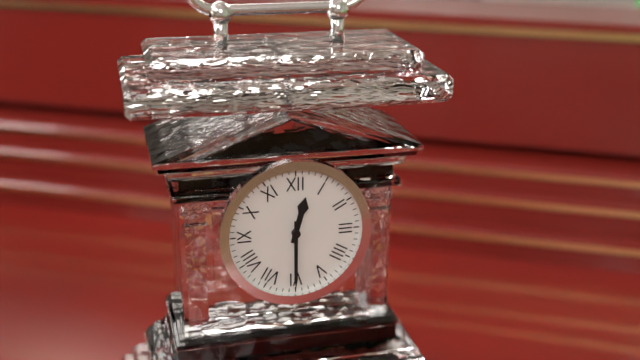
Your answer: 12.30
